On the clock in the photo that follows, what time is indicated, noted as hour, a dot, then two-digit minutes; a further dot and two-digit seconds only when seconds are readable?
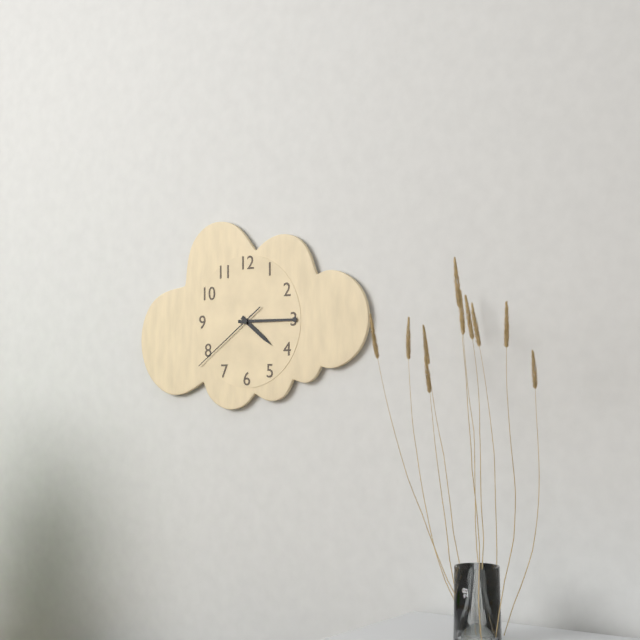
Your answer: 4.15.39
